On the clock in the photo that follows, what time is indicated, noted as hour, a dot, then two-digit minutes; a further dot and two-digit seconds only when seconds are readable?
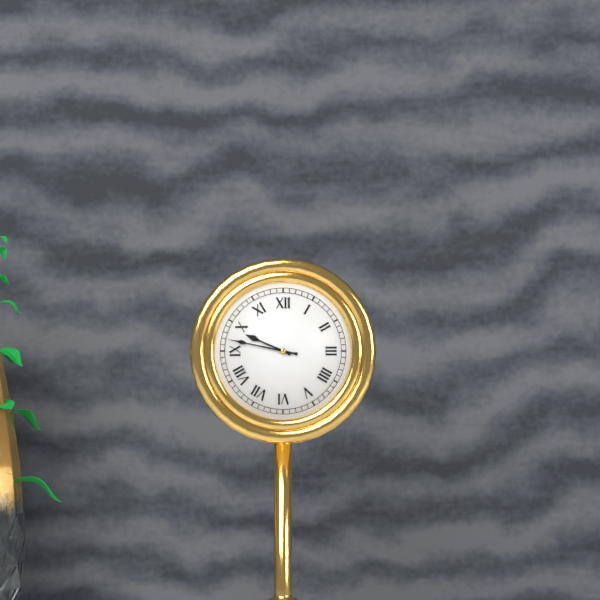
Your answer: 9.47
